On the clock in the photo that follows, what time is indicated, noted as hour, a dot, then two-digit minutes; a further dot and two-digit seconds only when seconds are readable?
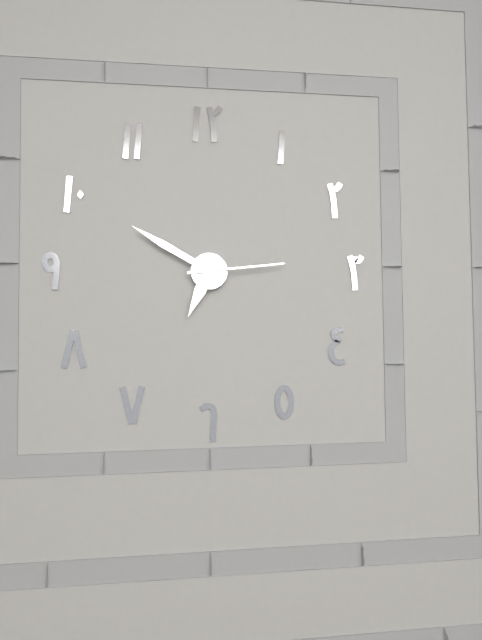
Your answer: 6.50.14
